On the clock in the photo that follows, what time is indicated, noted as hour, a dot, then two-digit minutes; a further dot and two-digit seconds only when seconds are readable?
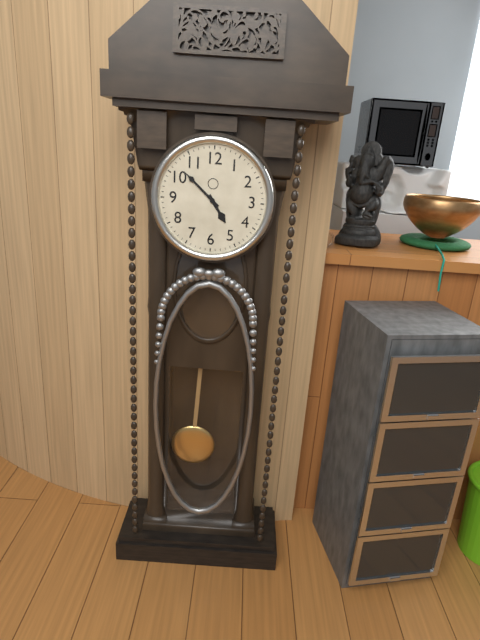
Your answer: 4.52
